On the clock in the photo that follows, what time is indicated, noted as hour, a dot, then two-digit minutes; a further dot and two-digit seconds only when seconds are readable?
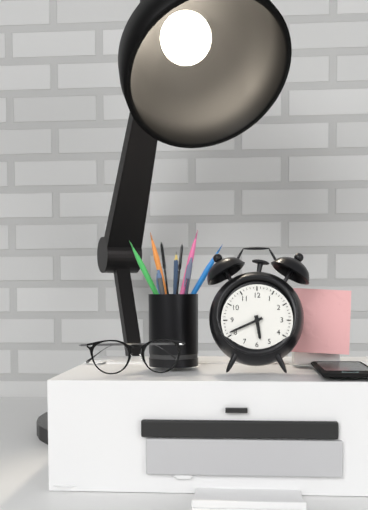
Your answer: 5.41
